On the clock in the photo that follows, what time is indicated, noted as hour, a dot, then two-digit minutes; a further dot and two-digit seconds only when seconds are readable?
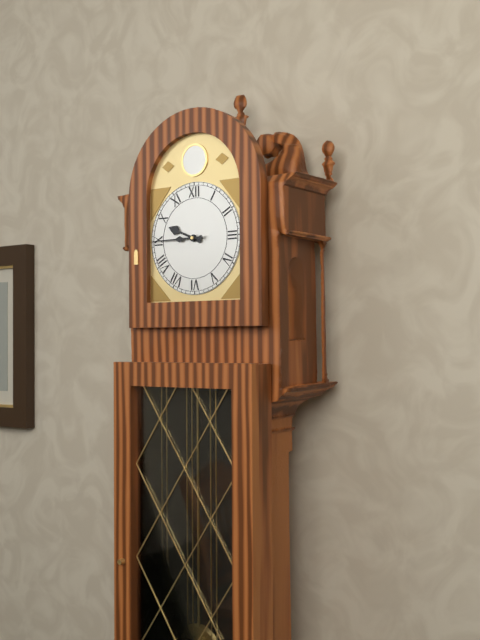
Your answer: 9.45
